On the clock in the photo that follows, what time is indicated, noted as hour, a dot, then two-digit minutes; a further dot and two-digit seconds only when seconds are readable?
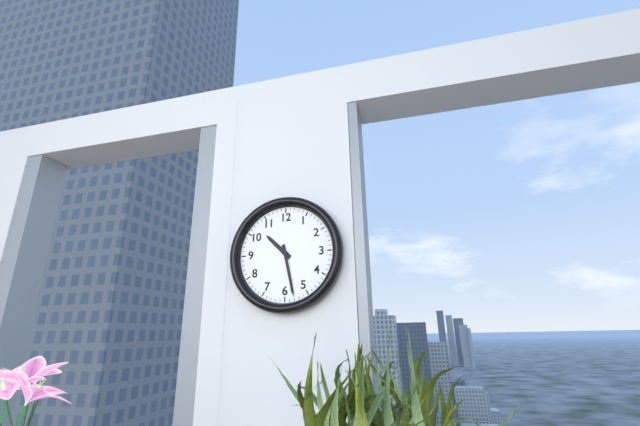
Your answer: 10.28
